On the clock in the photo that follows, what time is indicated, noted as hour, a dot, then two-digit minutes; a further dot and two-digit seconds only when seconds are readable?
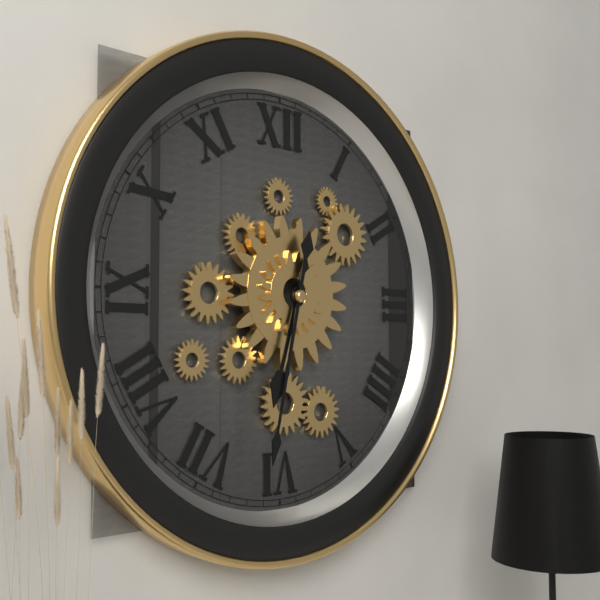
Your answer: 6.32
